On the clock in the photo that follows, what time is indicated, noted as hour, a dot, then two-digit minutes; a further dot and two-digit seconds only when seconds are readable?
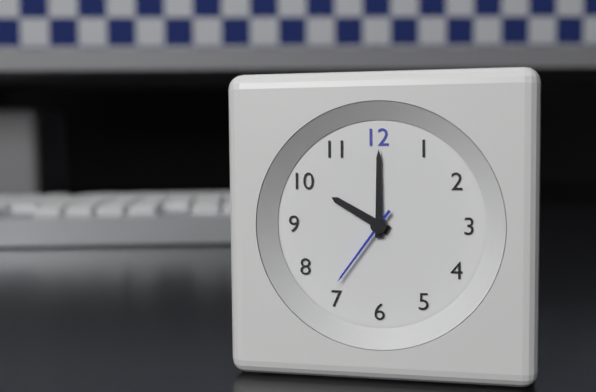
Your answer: 10.00.36
